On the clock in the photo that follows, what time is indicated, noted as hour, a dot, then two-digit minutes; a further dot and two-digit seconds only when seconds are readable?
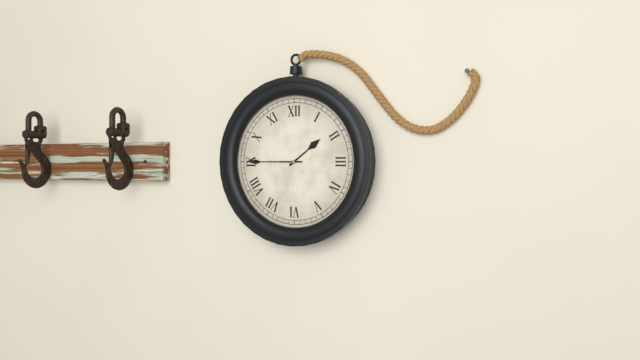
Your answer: 1.45
